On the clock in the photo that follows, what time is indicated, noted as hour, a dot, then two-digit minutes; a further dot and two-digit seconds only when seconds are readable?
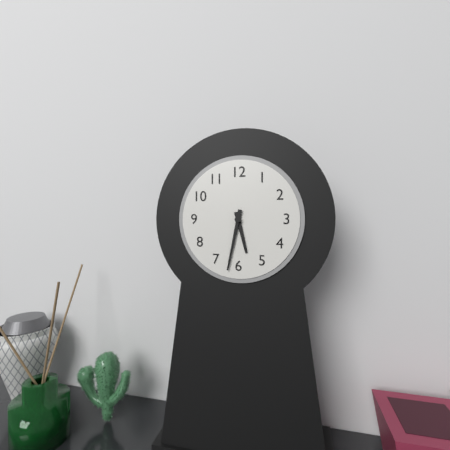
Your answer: 5.32
